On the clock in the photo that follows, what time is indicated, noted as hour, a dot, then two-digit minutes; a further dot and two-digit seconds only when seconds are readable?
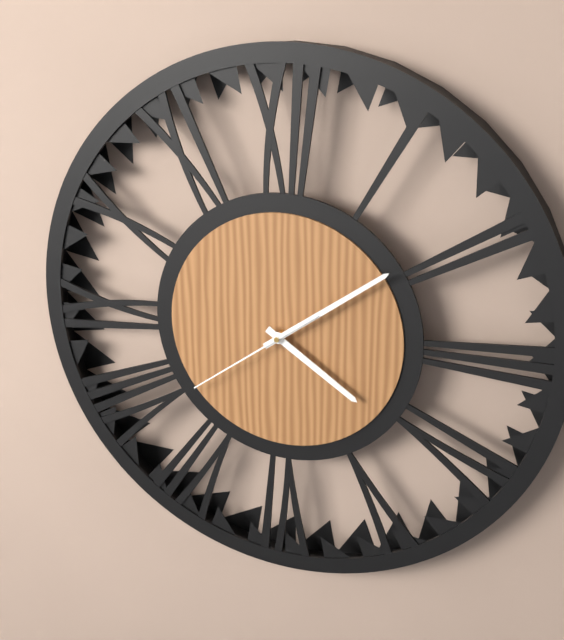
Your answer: 4.09.39
